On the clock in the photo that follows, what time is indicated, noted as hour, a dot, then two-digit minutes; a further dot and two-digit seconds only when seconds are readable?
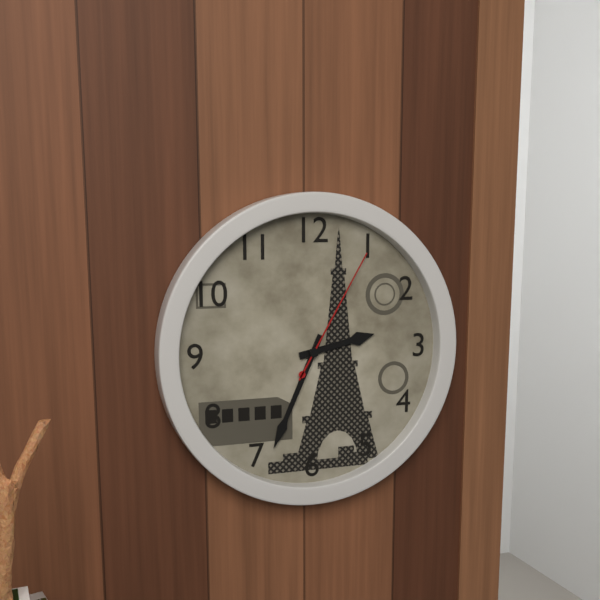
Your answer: 2.34.05
